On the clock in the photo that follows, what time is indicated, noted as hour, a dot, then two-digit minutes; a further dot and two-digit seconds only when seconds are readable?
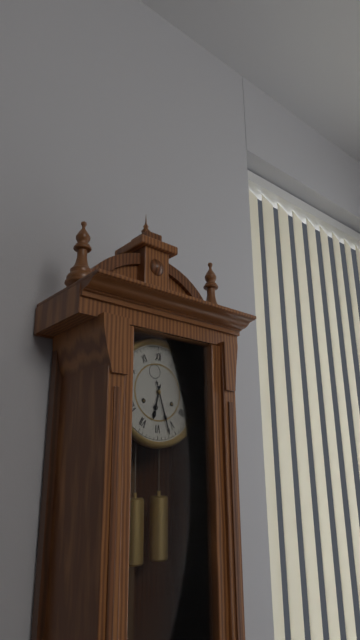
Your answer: 6.27
